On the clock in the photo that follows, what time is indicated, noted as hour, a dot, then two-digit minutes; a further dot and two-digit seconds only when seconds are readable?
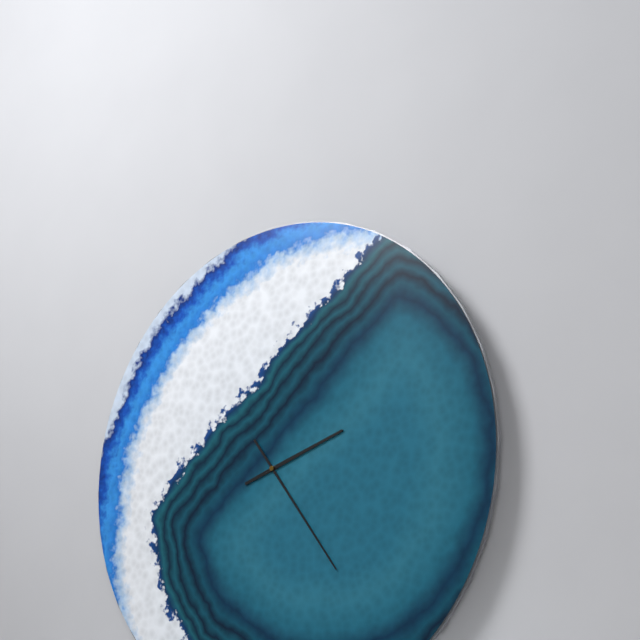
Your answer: 2.24
